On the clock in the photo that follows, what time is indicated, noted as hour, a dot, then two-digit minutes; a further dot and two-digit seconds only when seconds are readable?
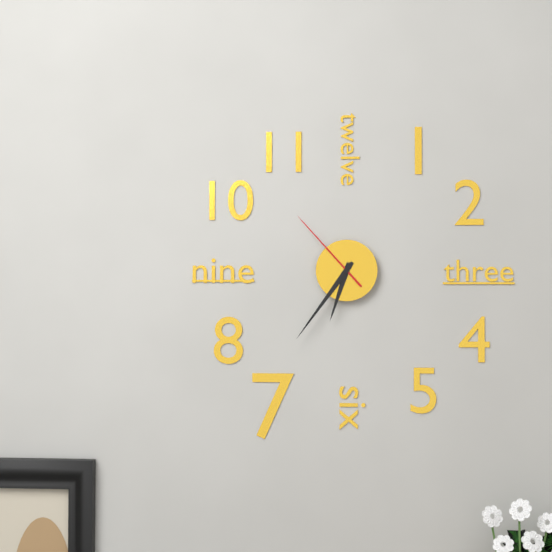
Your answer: 6.36.53
